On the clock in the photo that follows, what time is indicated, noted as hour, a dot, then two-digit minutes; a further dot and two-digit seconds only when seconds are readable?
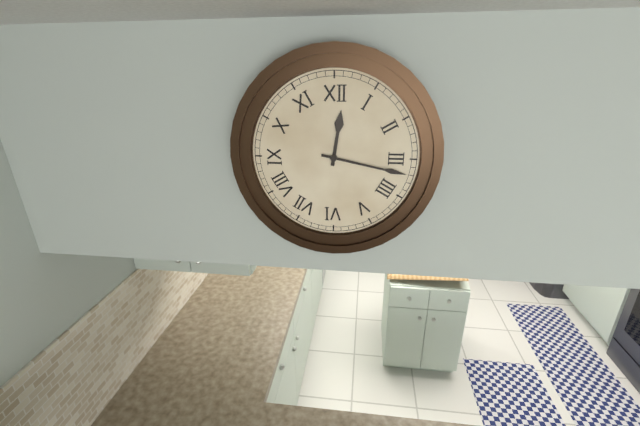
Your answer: 12.17
